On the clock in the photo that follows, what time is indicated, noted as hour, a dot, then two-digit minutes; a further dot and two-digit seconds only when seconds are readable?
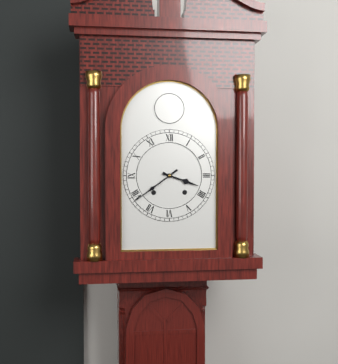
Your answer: 3.39
